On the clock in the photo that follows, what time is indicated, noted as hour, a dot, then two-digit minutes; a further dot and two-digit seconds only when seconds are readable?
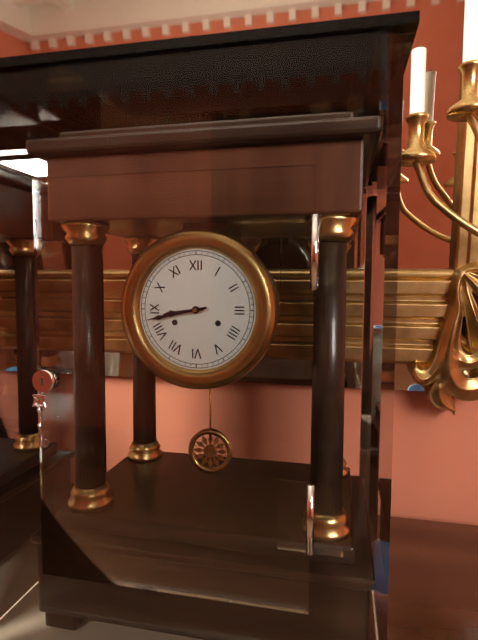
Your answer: 8.43
